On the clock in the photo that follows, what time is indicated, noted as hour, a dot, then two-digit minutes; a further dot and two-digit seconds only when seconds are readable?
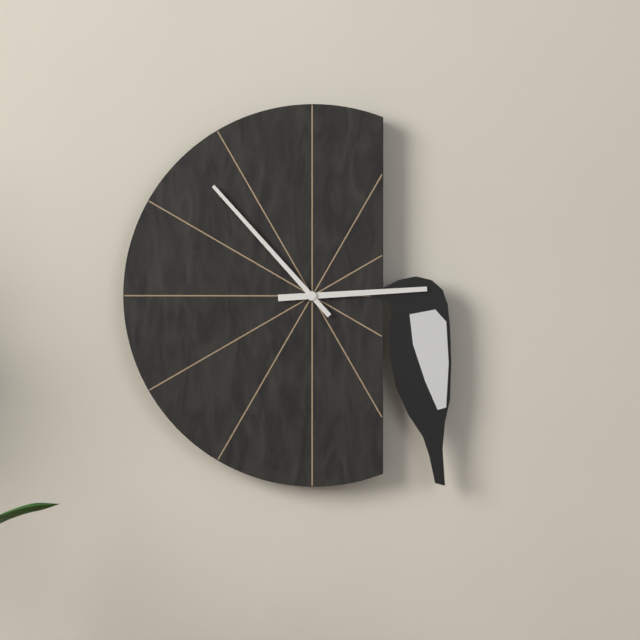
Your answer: 2.53
